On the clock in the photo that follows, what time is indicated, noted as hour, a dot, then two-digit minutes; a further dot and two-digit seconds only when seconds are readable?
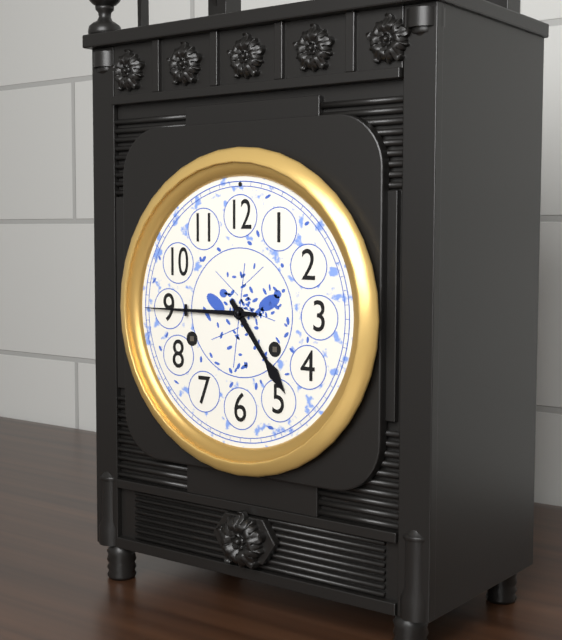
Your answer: 4.45
